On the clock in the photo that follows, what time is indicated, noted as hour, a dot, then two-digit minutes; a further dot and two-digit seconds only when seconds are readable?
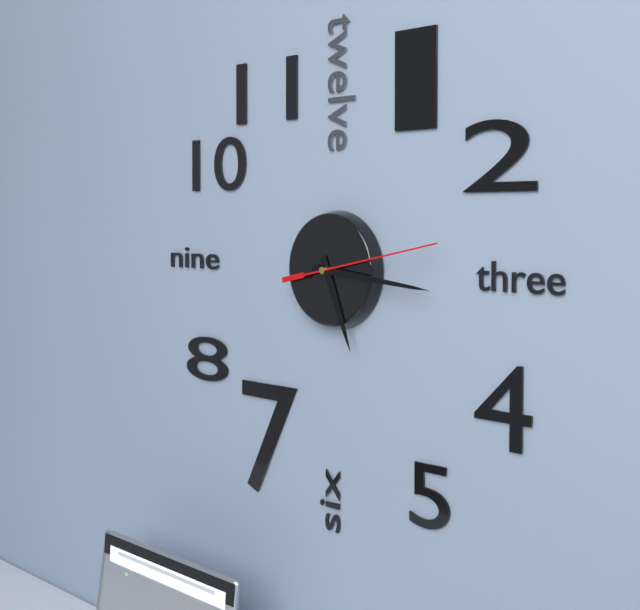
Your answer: 5.16.13
